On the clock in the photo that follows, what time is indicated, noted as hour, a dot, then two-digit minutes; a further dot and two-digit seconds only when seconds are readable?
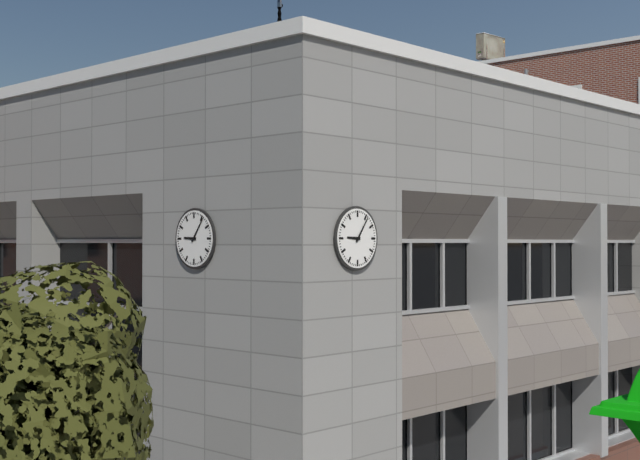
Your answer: 9.06
